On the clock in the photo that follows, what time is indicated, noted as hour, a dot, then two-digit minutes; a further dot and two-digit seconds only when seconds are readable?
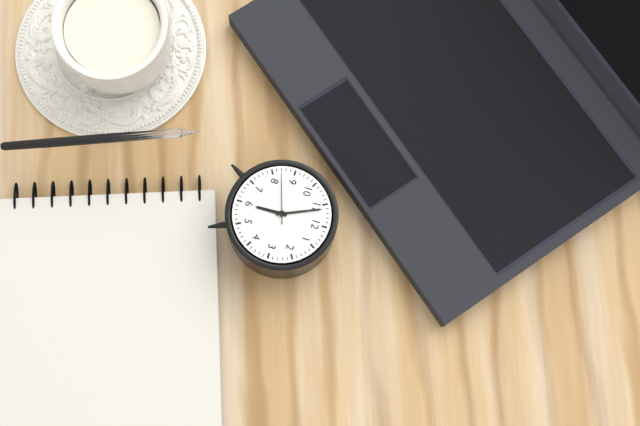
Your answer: 5.56.42
